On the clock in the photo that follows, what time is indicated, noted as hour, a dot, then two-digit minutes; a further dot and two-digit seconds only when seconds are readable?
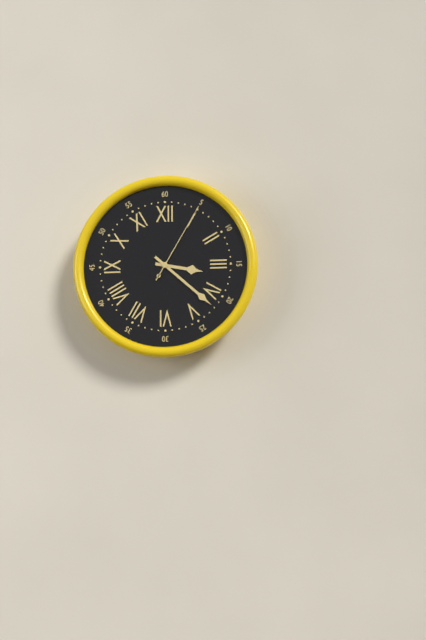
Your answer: 3.22.05
